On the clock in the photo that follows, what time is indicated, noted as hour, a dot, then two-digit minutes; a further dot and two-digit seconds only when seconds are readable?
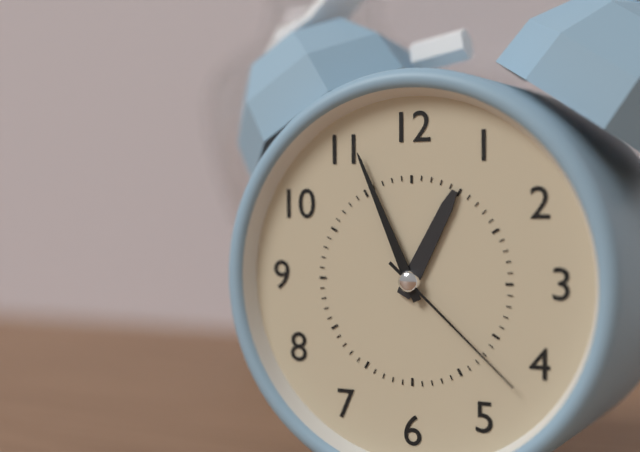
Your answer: 12.56.22
